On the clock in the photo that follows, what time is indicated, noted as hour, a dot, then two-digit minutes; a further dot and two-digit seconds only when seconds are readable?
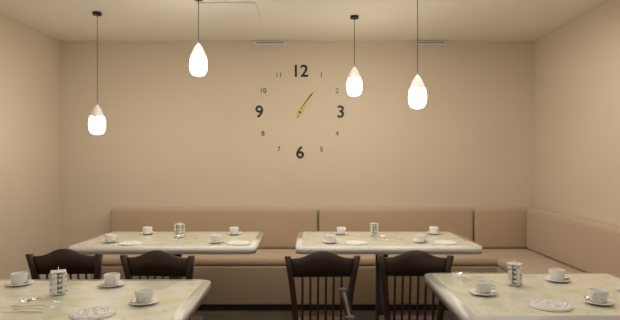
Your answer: 1.06
